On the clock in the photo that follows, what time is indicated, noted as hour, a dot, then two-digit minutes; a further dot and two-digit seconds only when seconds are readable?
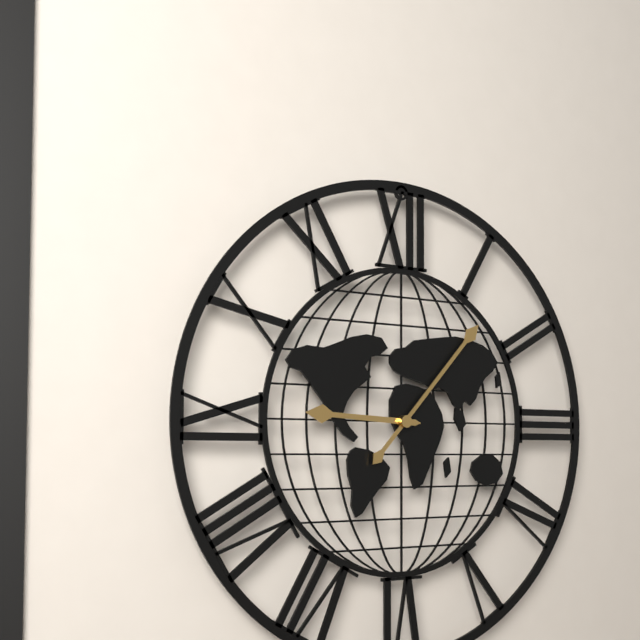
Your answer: 9.07
